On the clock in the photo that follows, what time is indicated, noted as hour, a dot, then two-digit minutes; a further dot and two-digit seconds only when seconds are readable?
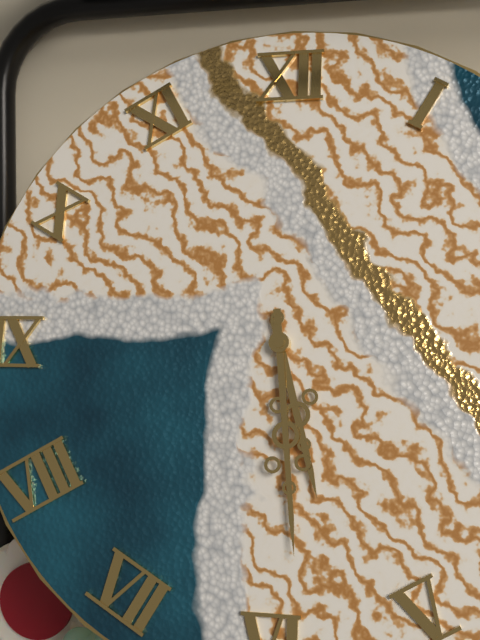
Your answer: 5.29
